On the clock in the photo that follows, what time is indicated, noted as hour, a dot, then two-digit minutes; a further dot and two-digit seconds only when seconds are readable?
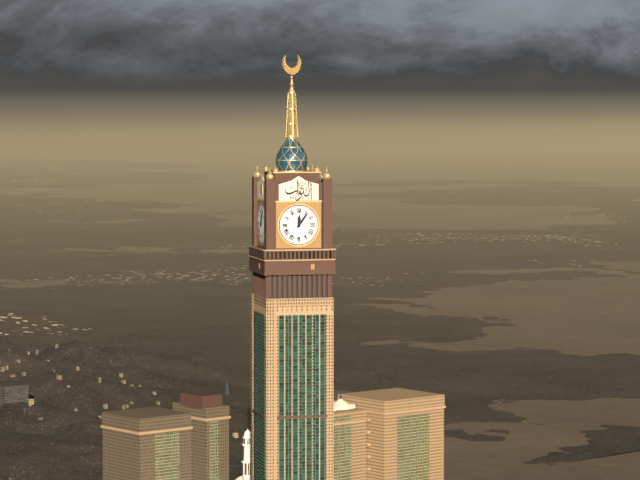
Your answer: 12.06
